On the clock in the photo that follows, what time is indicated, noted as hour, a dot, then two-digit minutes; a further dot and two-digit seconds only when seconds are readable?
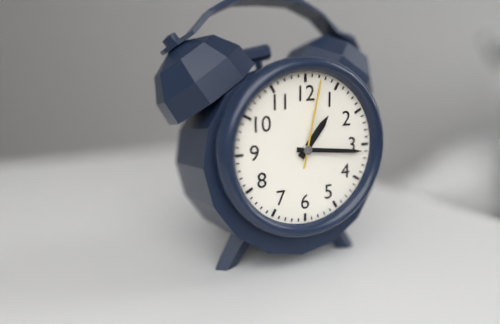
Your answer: 1.16.02
